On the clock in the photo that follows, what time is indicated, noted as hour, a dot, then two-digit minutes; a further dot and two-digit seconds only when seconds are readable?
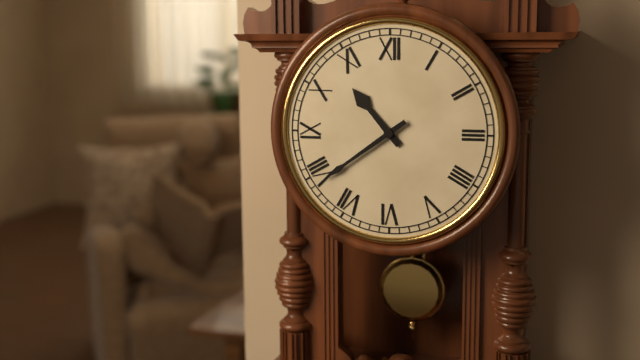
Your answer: 10.39
